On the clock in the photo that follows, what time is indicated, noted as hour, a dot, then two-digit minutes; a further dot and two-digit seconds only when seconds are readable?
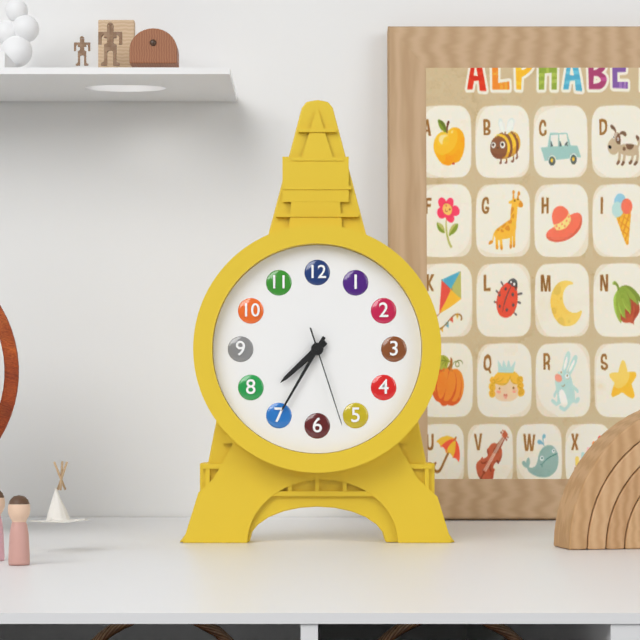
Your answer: 7.35.27
